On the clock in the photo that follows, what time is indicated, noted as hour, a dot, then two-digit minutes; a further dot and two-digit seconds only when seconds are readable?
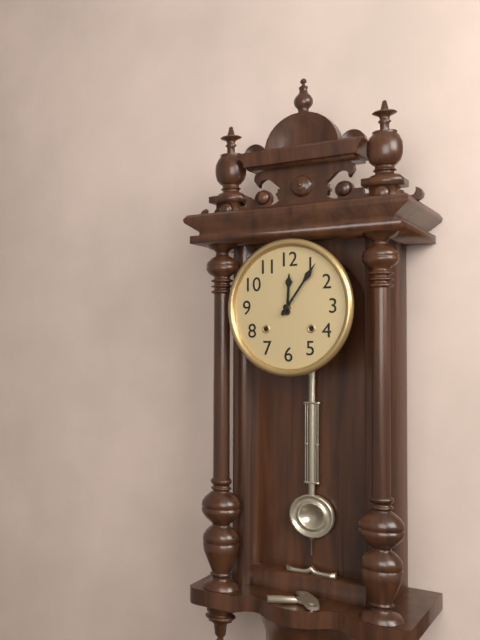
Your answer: 12.06
